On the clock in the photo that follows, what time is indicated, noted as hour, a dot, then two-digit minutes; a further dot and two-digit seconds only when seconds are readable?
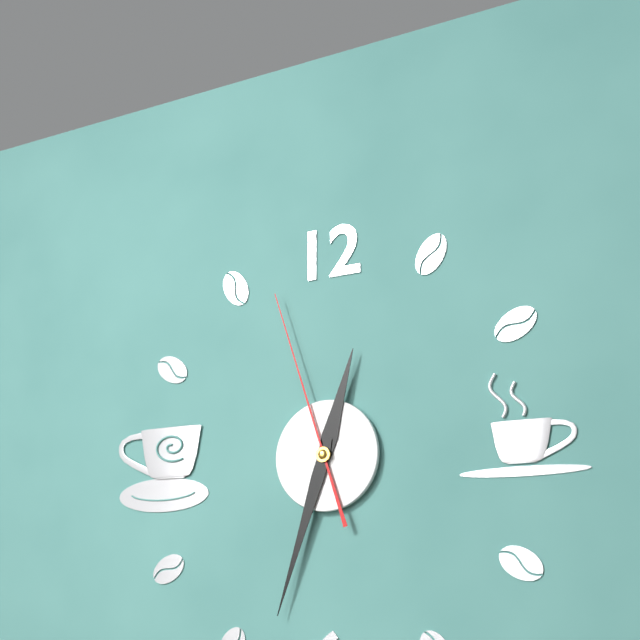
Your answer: 12.33.57
